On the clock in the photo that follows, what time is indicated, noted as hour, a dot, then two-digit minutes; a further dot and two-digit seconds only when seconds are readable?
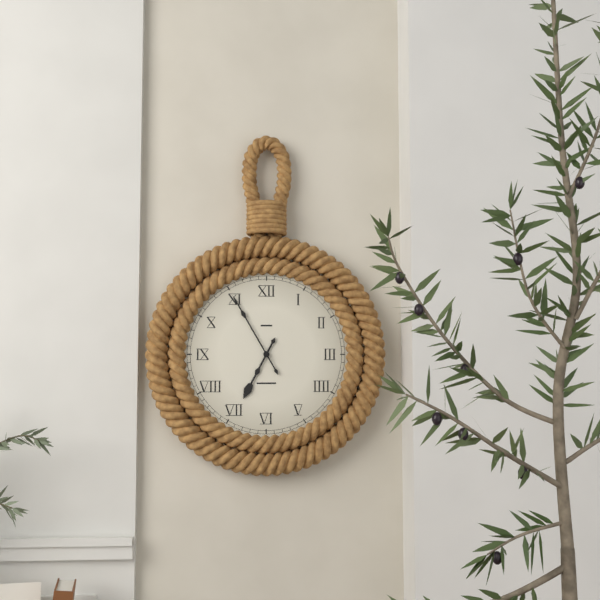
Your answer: 6.55
